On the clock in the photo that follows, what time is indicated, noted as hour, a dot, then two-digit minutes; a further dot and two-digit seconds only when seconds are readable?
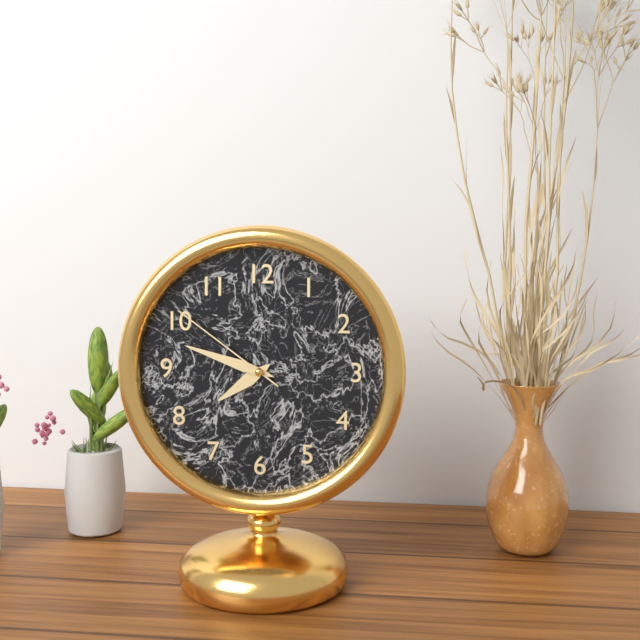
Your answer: 7.48.51
